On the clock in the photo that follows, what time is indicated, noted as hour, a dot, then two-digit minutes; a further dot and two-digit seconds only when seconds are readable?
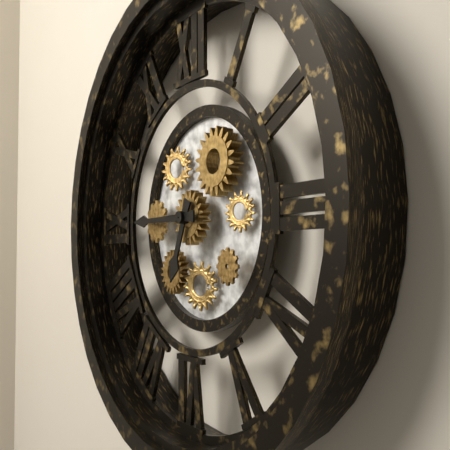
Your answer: 6.45
